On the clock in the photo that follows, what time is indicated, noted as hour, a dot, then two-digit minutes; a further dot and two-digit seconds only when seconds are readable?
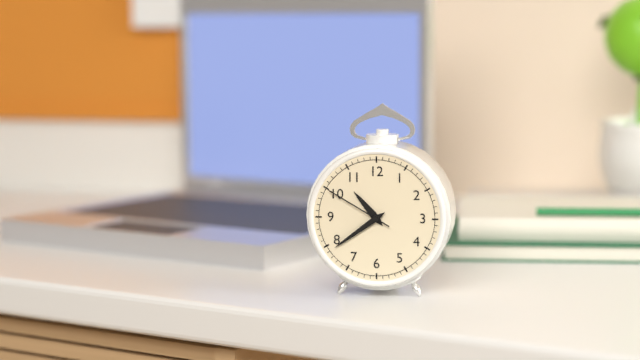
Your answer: 10.39.50
